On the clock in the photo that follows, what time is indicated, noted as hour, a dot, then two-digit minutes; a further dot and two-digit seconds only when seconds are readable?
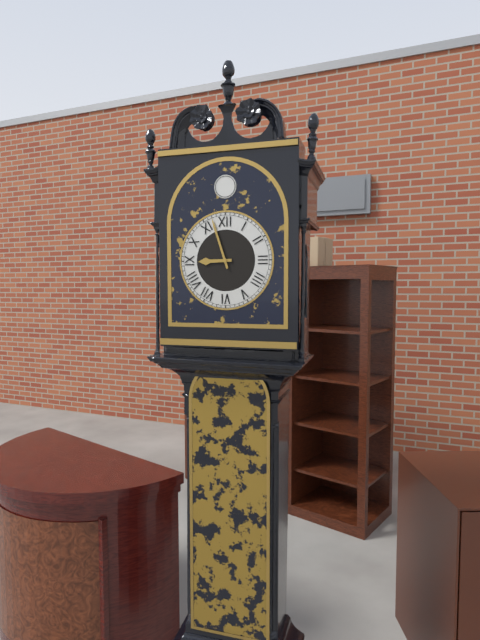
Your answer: 8.57
